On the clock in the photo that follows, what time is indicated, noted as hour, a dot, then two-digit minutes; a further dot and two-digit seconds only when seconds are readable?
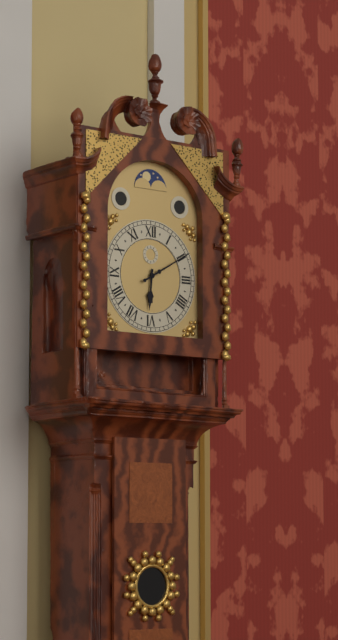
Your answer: 6.10
